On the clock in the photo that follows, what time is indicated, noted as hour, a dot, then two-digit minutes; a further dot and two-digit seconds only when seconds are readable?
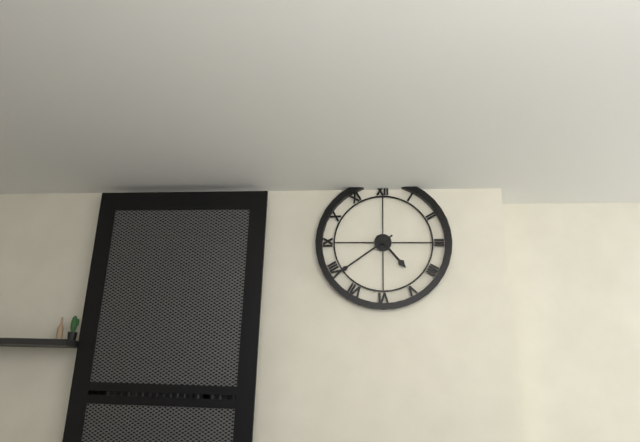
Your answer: 4.39
